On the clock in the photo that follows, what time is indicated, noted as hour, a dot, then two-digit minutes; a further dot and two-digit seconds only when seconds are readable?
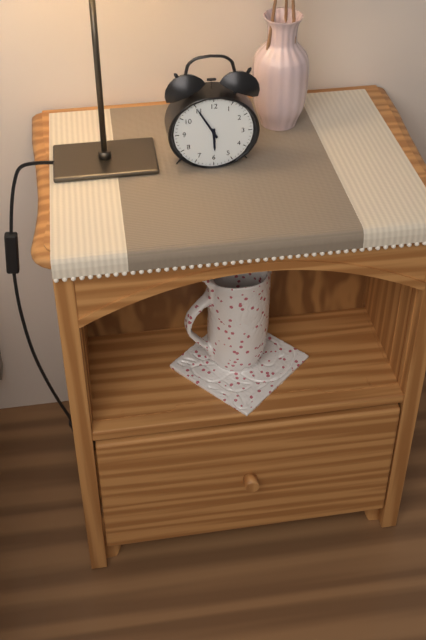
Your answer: 5.55
